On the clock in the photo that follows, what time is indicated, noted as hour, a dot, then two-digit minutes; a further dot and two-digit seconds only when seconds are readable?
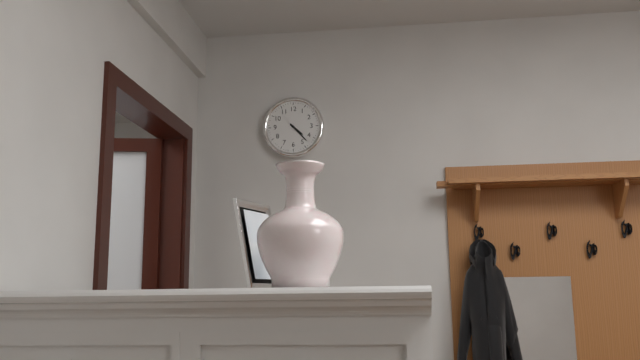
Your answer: 4.23
